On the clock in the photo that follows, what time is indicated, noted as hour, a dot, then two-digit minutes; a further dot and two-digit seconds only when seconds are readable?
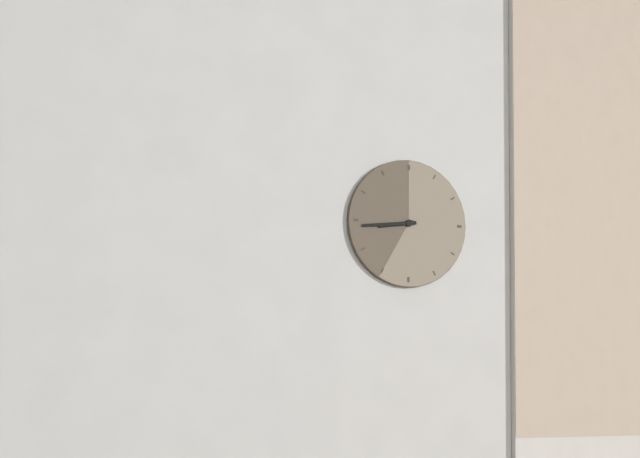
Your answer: 8.44
